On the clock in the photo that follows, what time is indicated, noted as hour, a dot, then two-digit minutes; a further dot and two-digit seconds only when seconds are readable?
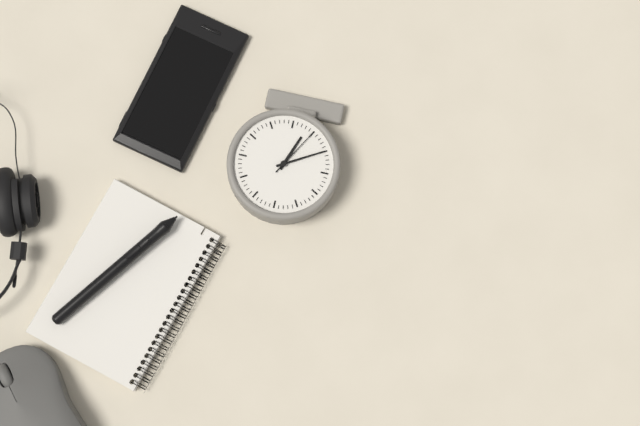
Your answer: 6.40.35
